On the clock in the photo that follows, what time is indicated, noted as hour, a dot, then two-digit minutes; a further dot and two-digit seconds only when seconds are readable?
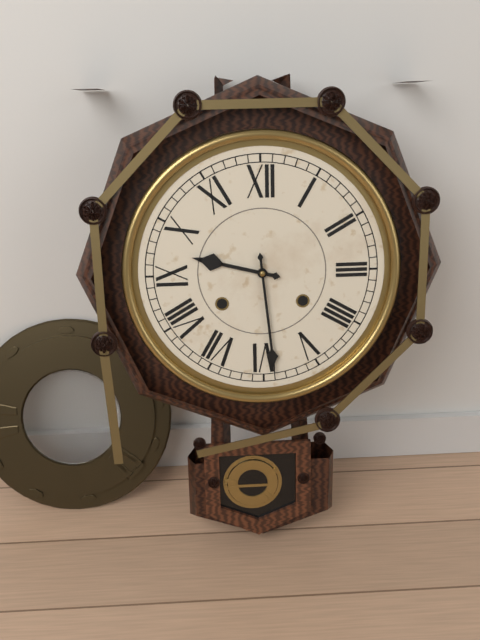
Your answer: 9.29
